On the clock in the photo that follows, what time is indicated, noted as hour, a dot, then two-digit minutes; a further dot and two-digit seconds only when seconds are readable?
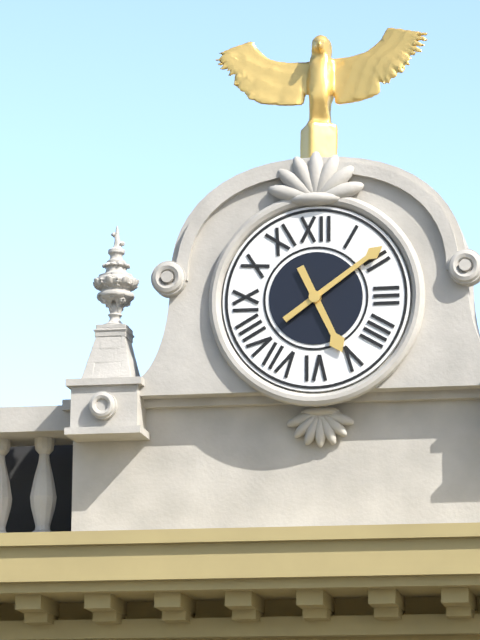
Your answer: 5.09
